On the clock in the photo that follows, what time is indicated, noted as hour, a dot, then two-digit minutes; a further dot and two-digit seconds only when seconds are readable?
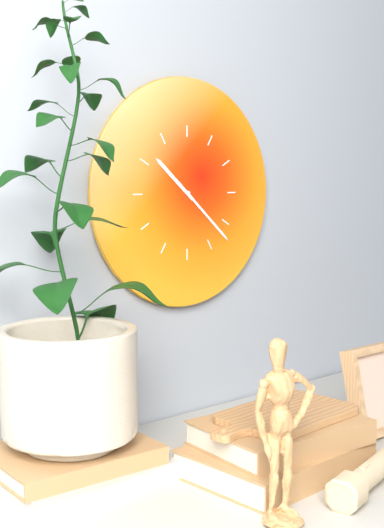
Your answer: 10.22
